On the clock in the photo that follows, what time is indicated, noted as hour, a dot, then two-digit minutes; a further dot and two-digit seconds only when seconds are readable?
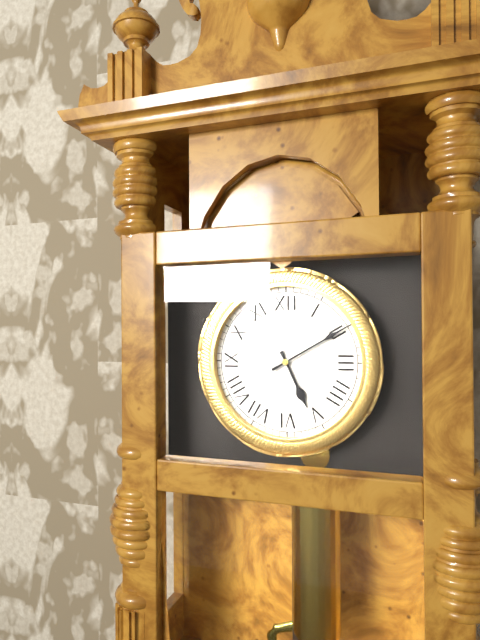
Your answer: 5.10
